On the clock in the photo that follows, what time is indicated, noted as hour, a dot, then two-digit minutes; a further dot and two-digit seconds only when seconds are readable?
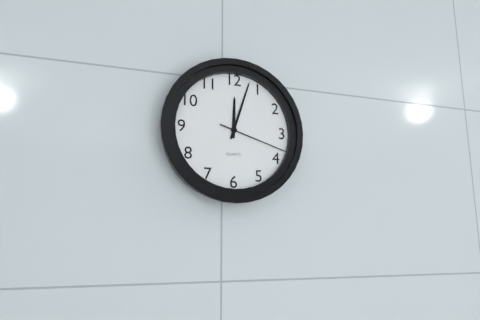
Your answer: 12.03.18
